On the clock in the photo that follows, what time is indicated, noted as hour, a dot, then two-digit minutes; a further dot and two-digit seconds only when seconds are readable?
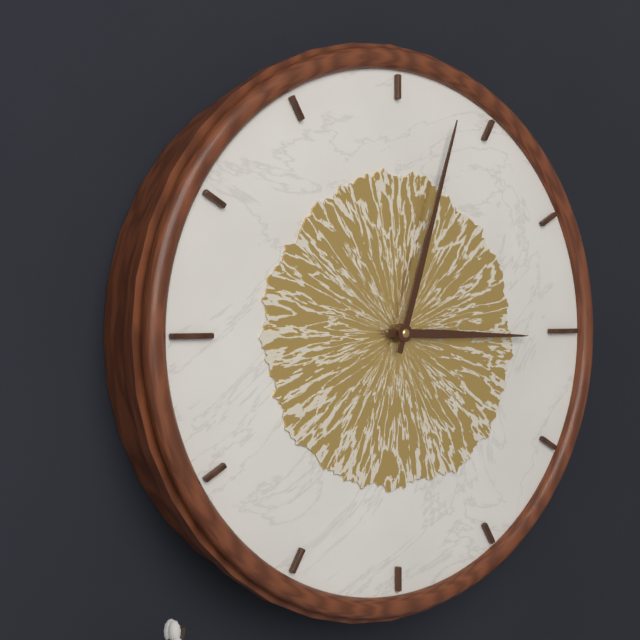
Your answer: 3.03
